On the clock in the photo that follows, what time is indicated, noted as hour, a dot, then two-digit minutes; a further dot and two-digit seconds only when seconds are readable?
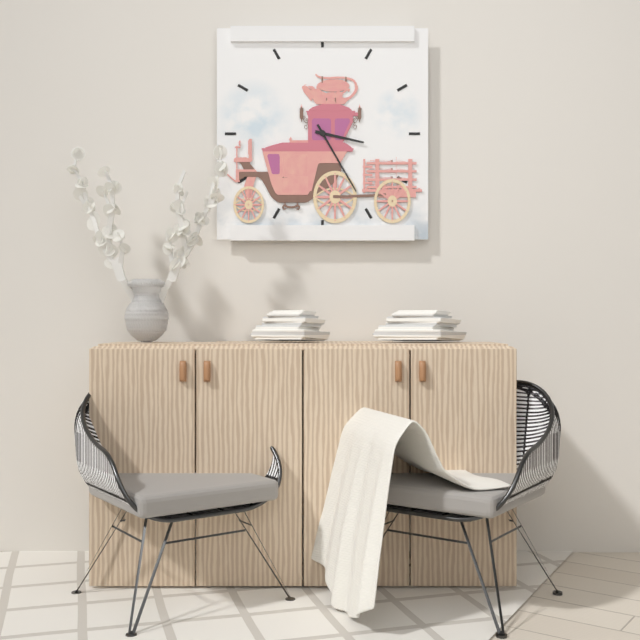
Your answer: 3.25
